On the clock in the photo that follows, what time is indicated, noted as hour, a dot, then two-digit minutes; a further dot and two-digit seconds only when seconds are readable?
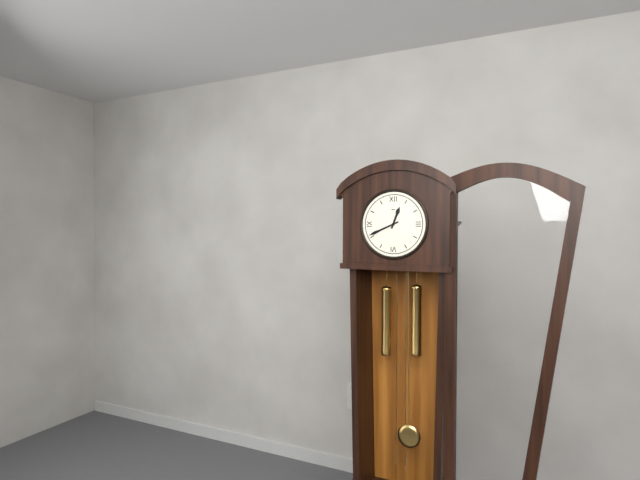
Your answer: 12.41
